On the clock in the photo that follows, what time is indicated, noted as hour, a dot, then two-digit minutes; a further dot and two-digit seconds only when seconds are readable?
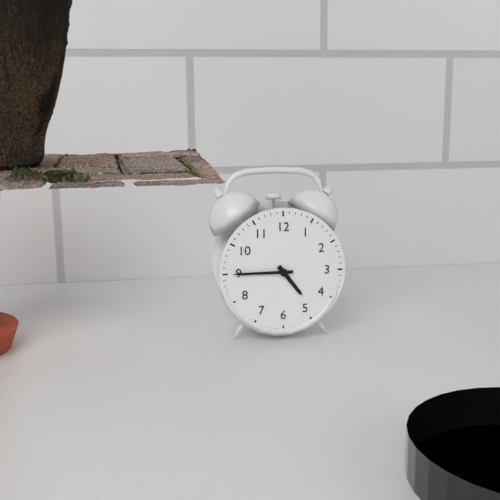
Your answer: 4.45
